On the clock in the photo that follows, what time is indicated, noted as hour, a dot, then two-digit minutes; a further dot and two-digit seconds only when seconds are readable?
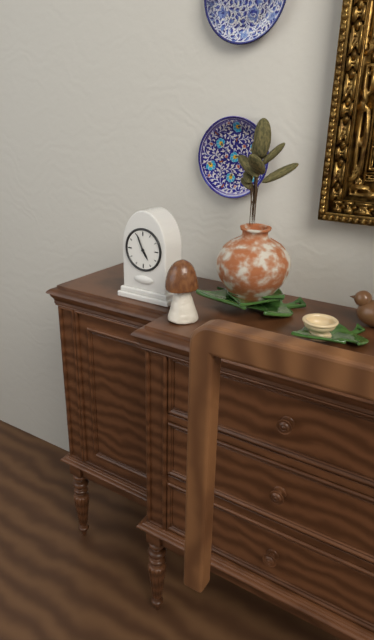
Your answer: 4.56
